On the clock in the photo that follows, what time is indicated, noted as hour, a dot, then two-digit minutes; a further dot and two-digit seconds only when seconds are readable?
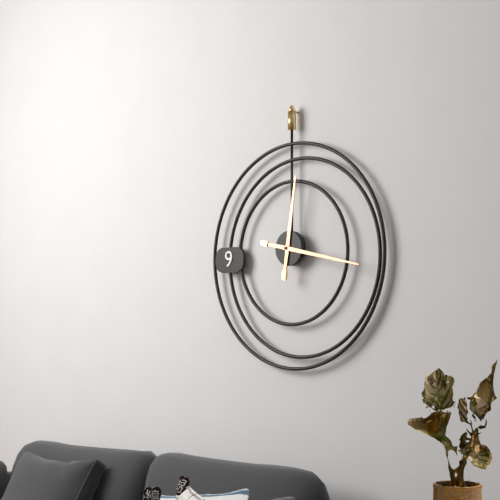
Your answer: 12.17
